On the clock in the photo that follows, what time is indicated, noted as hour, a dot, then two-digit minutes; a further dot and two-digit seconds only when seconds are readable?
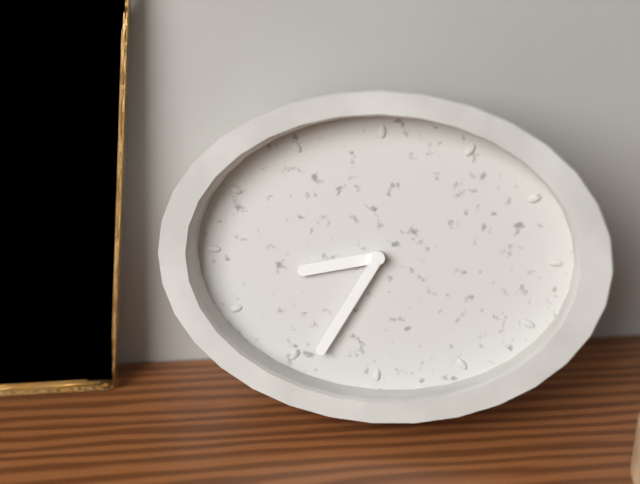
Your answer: 8.35
